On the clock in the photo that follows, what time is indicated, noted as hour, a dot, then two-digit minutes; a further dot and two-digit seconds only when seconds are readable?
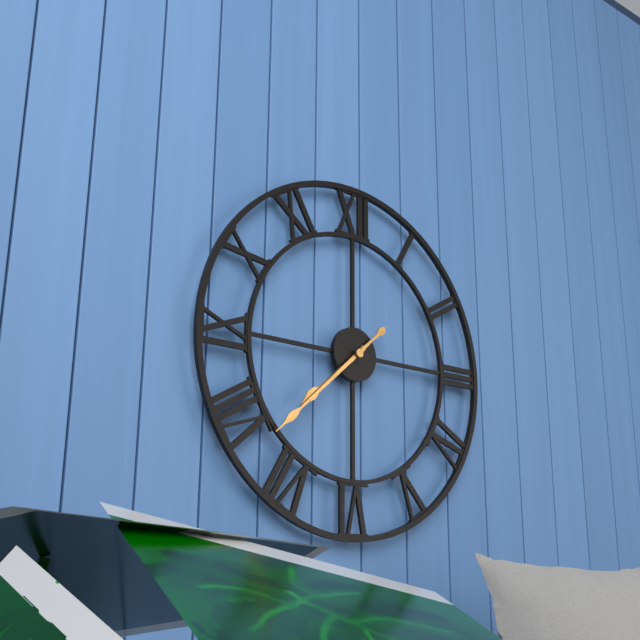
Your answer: 7.38
